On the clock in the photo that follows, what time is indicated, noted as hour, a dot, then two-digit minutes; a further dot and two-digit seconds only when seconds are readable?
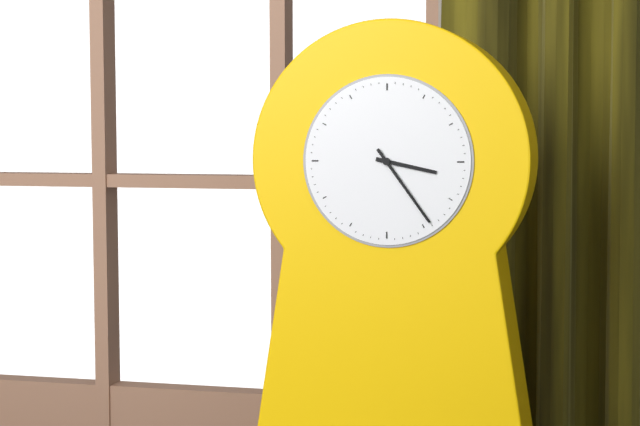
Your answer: 3.24
